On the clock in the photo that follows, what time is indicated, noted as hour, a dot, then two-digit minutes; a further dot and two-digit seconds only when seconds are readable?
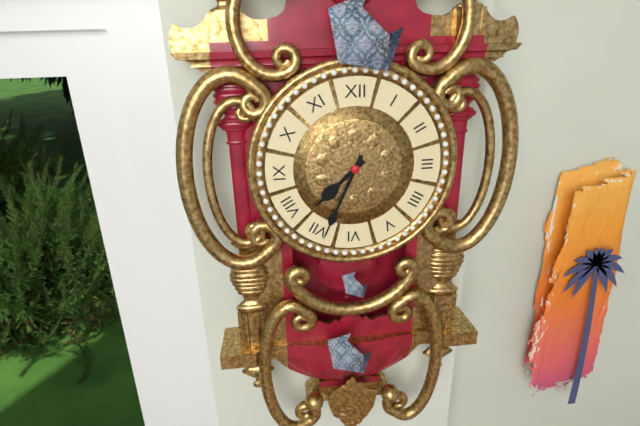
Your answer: 7.34
